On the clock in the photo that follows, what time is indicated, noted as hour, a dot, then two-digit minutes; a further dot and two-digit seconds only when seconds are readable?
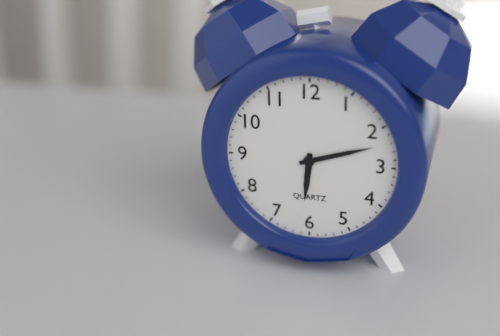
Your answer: 6.12
